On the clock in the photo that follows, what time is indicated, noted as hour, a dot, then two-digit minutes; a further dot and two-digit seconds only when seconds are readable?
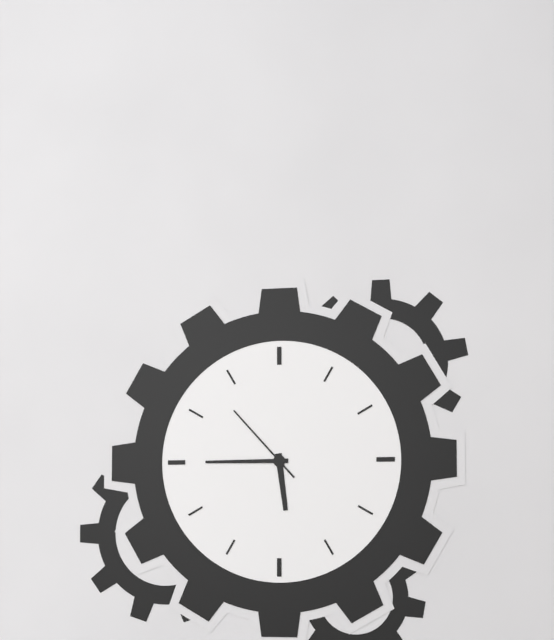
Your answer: 5.45.53
